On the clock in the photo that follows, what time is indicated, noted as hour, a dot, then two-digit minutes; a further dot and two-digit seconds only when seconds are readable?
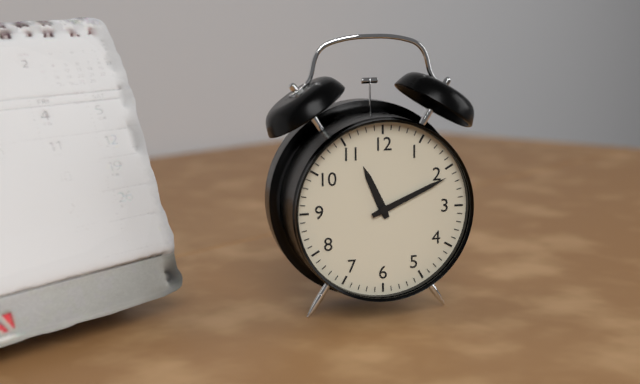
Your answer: 11.11
